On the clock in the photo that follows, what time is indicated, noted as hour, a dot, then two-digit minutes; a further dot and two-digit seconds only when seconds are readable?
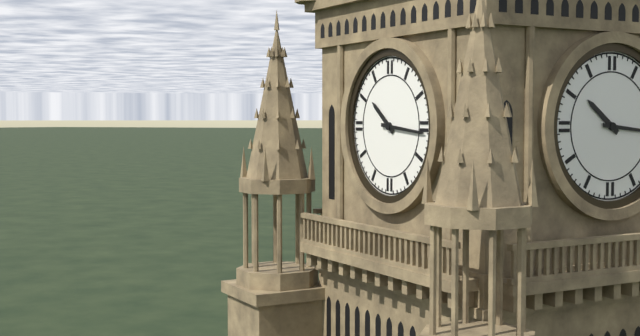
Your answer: 10.16
